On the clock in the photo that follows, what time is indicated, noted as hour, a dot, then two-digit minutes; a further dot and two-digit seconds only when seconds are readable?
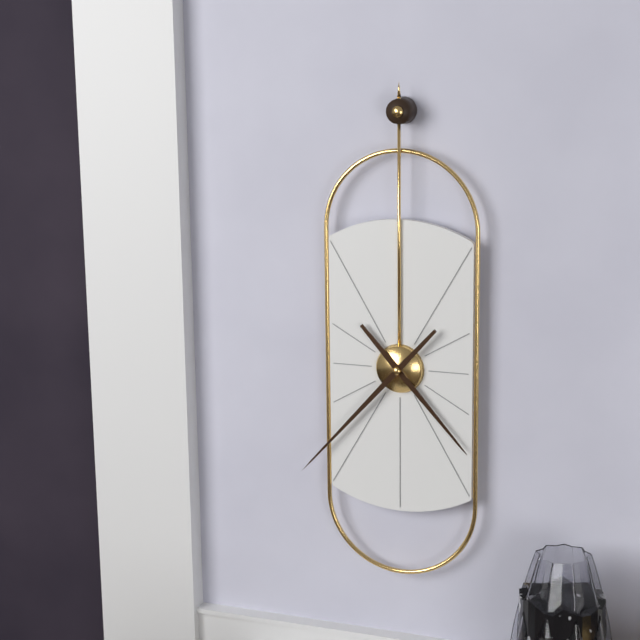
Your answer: 4.37
